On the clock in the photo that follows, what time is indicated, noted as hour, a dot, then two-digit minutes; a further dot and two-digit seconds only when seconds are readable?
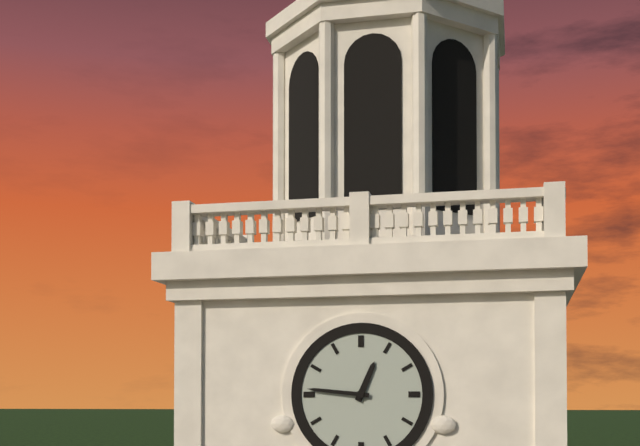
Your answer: 12.46
